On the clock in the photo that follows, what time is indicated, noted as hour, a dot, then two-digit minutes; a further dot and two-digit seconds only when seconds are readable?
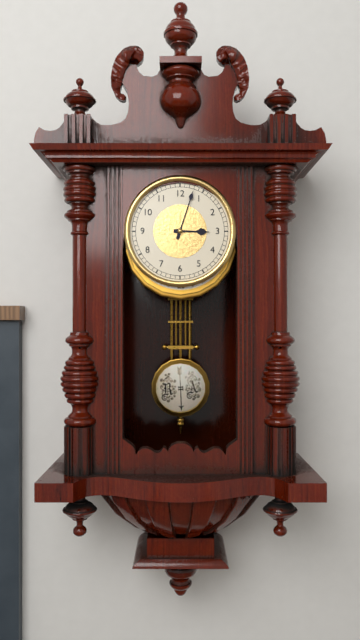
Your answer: 3.03
